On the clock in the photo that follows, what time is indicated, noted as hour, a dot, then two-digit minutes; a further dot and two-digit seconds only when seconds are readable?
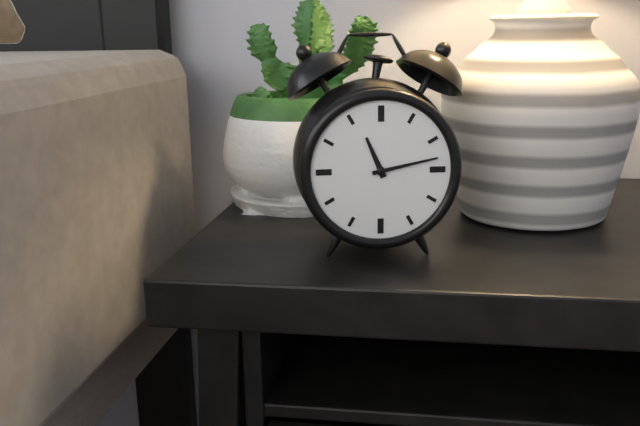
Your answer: 11.13
